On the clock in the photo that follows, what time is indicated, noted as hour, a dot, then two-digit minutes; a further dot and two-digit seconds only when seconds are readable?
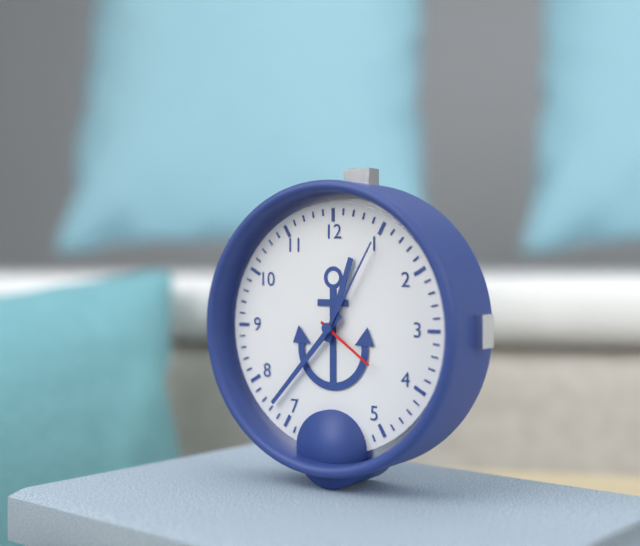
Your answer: 12.37.21
